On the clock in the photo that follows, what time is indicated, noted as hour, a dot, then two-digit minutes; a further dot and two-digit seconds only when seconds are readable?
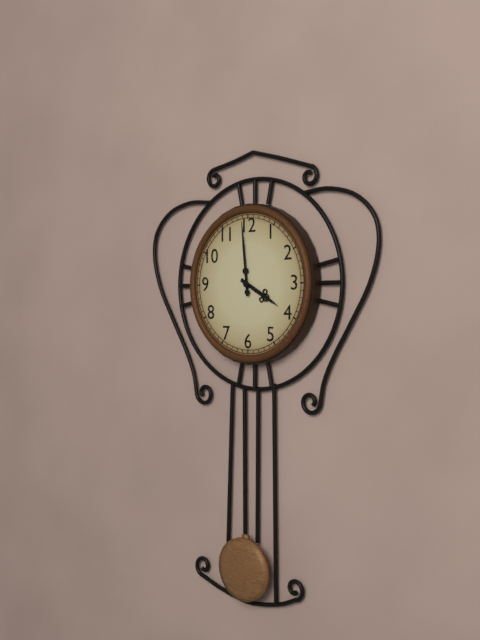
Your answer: 3.59
